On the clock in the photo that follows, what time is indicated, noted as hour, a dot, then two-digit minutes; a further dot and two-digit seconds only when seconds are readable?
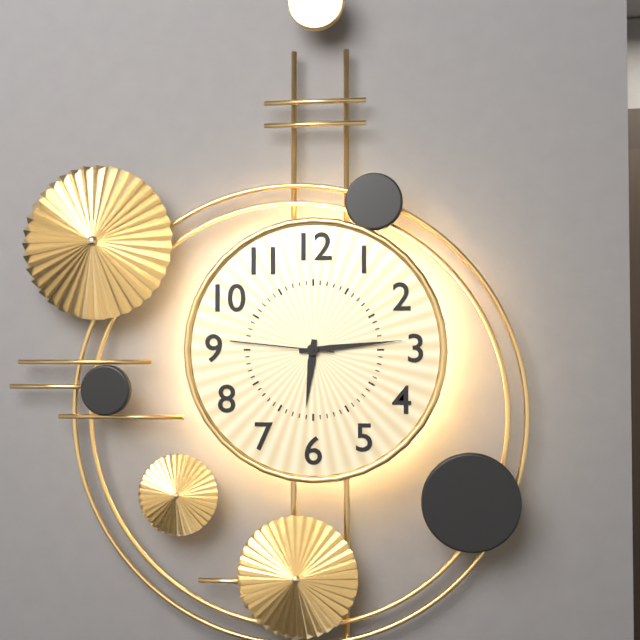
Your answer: 6.14.46
